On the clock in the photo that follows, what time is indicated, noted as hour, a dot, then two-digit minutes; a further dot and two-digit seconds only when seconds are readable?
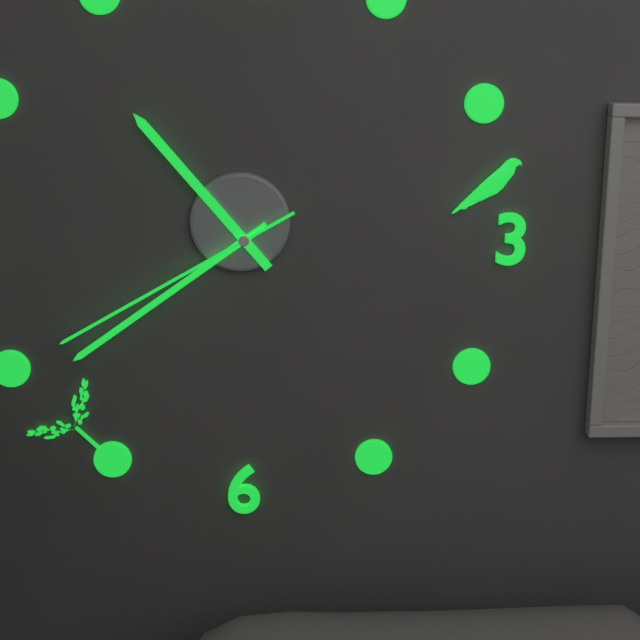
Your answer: 10.39.40
